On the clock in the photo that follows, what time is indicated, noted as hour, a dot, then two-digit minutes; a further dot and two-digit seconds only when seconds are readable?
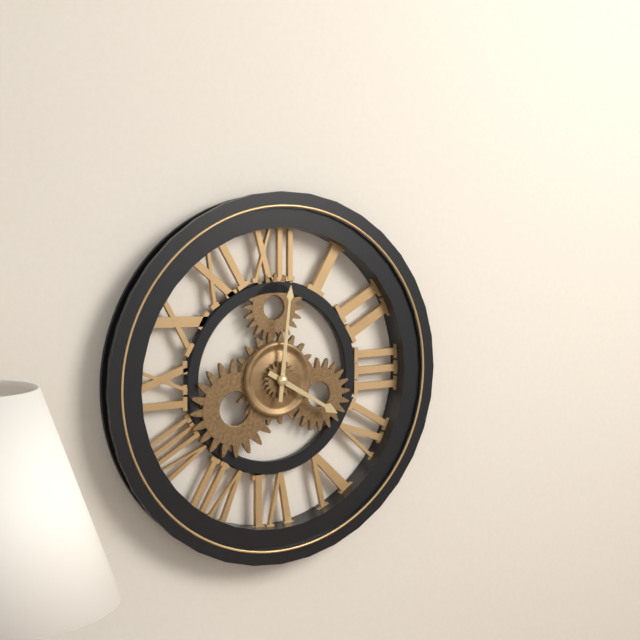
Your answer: 4.01
